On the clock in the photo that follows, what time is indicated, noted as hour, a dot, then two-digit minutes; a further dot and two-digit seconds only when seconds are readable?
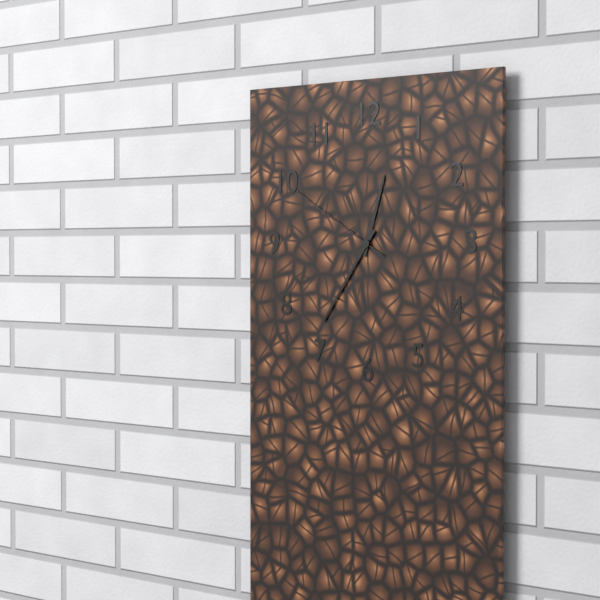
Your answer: 12.36.50
